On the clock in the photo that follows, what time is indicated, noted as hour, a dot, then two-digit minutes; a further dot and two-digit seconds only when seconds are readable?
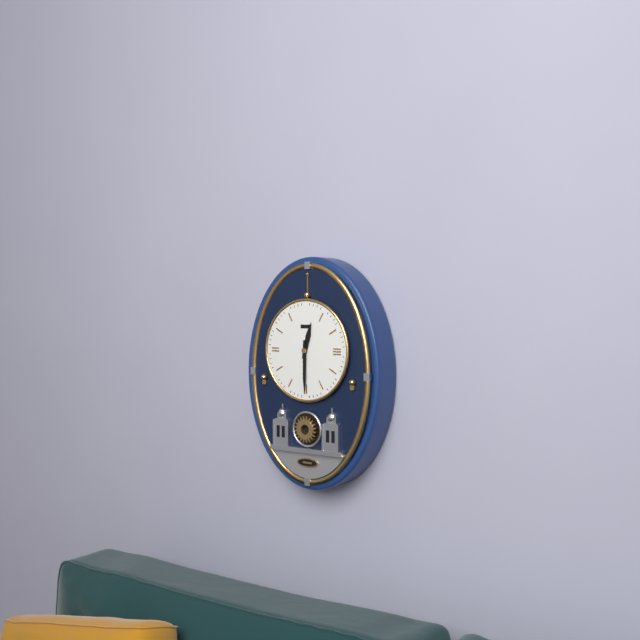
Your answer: 12.30
